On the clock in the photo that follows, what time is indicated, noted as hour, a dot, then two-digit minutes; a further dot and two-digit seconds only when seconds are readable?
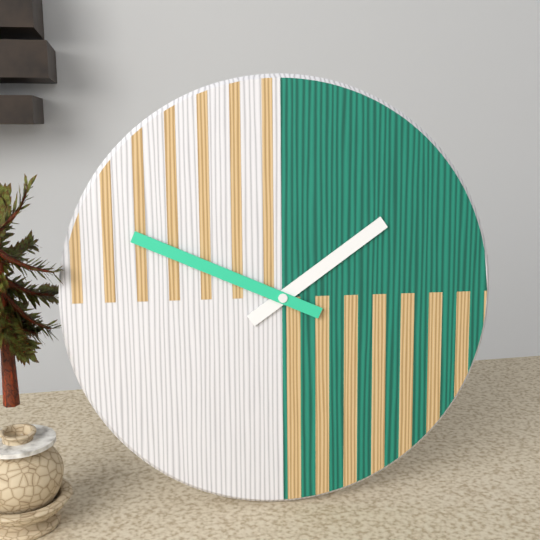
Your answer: 1.49
